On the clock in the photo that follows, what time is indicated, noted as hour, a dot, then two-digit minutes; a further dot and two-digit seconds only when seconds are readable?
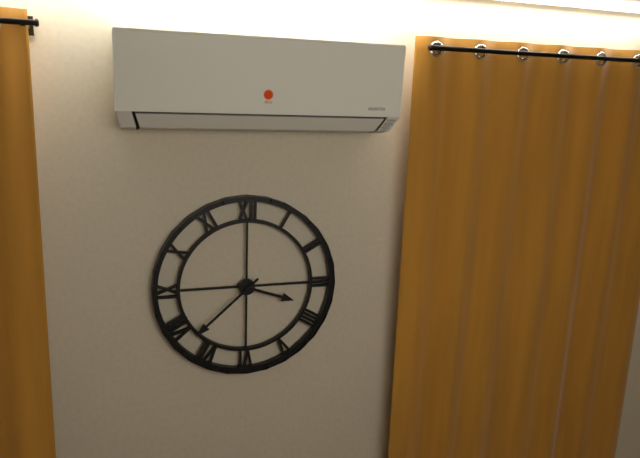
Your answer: 3.38
